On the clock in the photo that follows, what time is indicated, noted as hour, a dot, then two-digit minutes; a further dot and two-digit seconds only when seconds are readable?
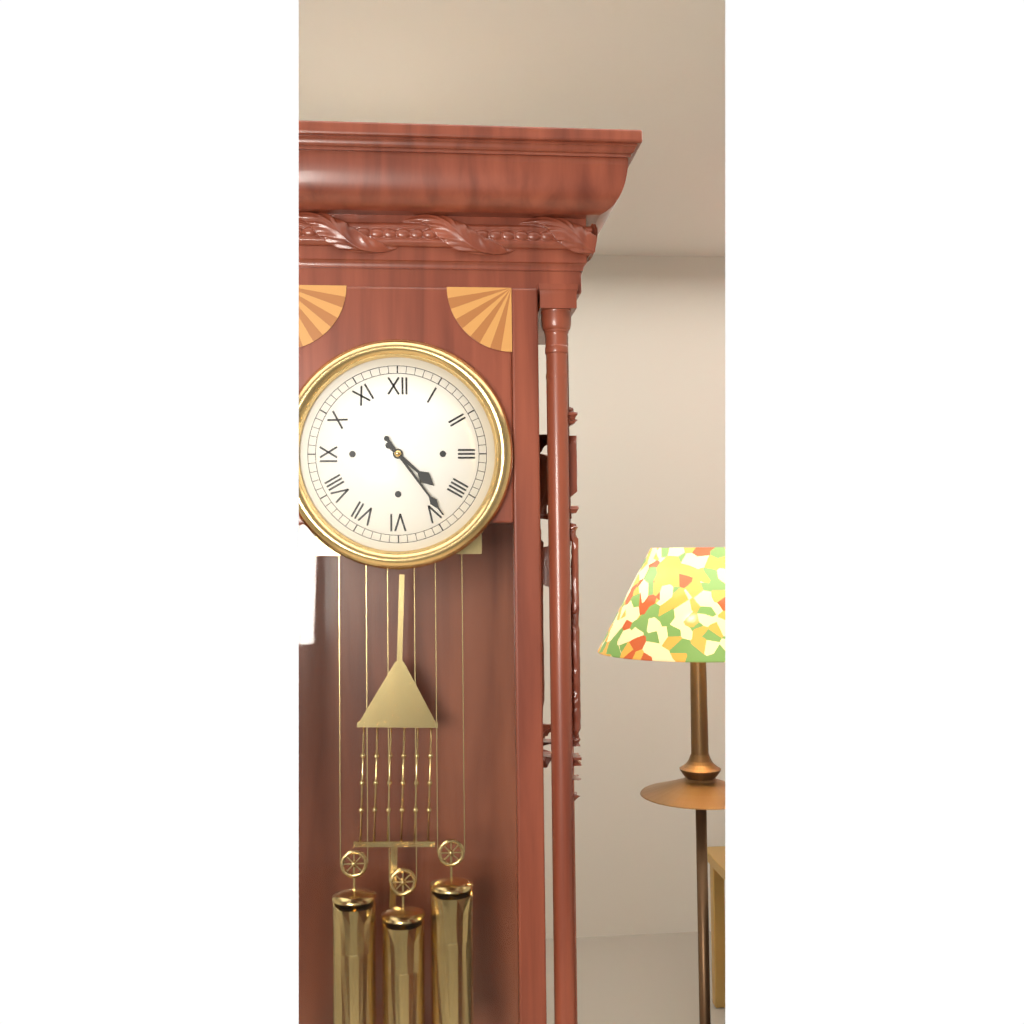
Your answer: 4.24
